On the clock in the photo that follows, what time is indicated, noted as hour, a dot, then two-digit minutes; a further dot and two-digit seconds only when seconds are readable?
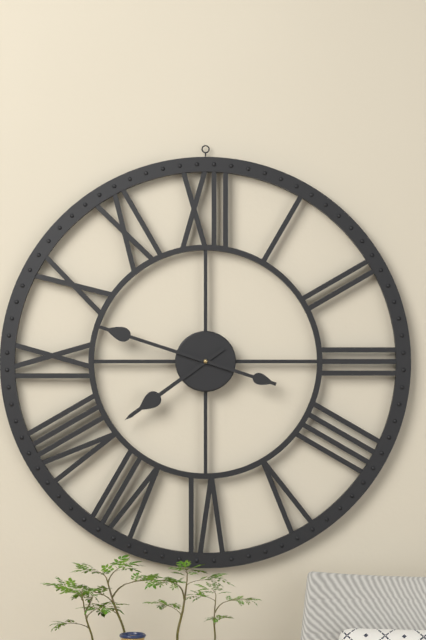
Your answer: 7.48
